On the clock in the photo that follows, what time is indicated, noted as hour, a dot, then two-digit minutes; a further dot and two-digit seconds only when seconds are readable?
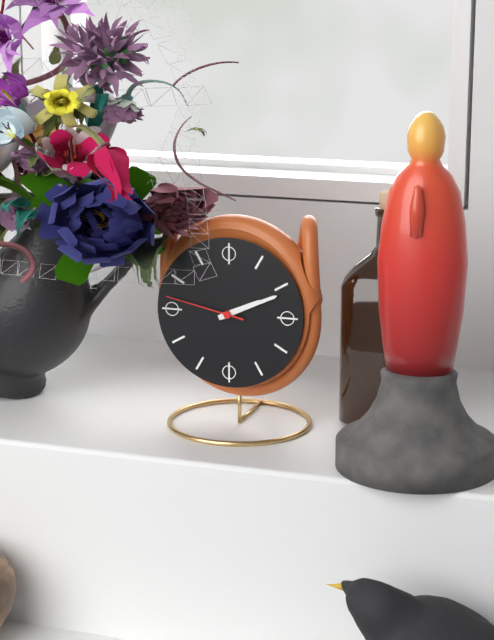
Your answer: 2.11.47
